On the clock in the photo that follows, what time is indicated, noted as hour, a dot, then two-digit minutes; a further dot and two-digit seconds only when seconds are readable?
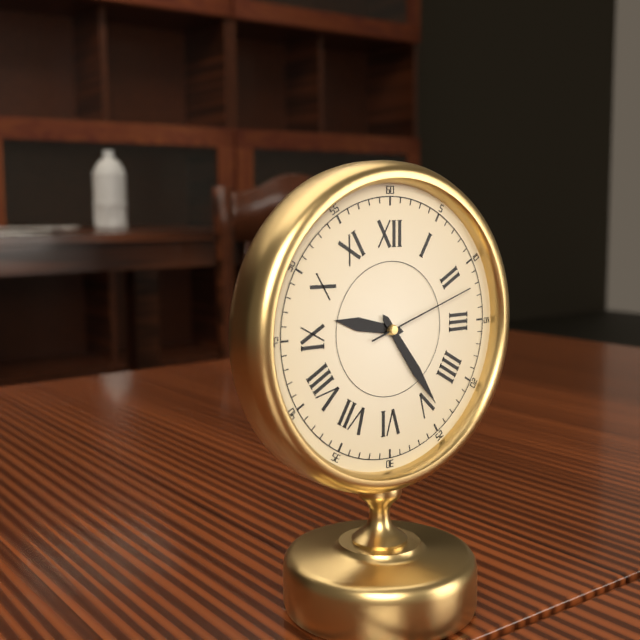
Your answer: 9.24.12
